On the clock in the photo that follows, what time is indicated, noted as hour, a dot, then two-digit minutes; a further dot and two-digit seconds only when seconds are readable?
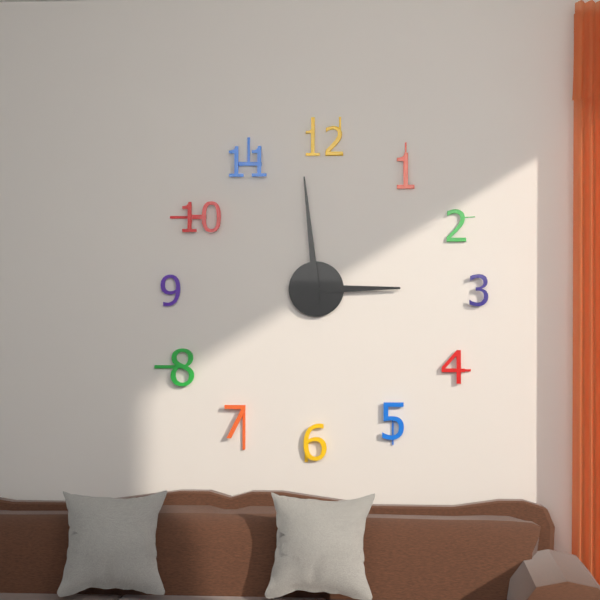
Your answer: 2.59
